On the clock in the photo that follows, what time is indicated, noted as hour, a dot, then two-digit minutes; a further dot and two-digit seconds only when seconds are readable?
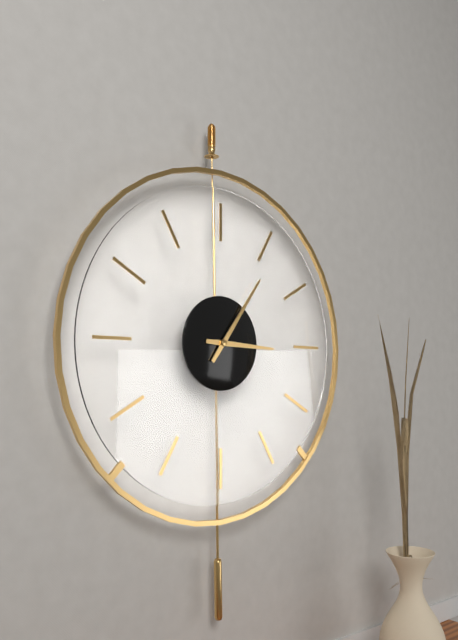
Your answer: 3.06
